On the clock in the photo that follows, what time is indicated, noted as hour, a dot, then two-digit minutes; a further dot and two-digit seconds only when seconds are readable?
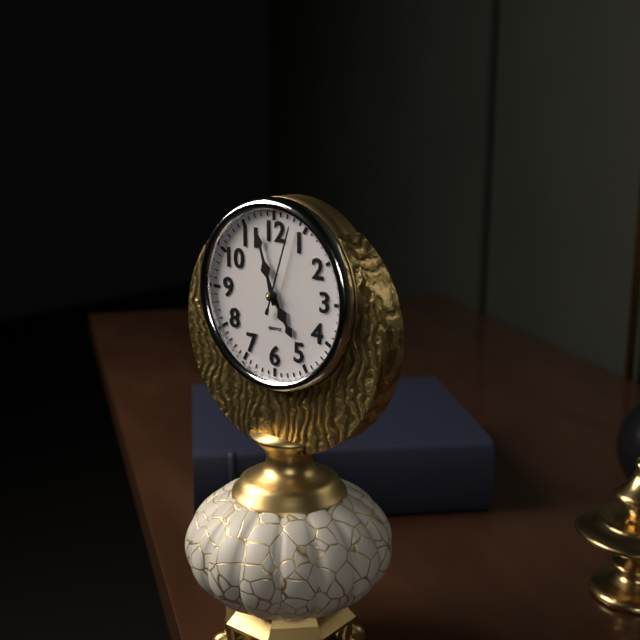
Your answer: 4.57.03
